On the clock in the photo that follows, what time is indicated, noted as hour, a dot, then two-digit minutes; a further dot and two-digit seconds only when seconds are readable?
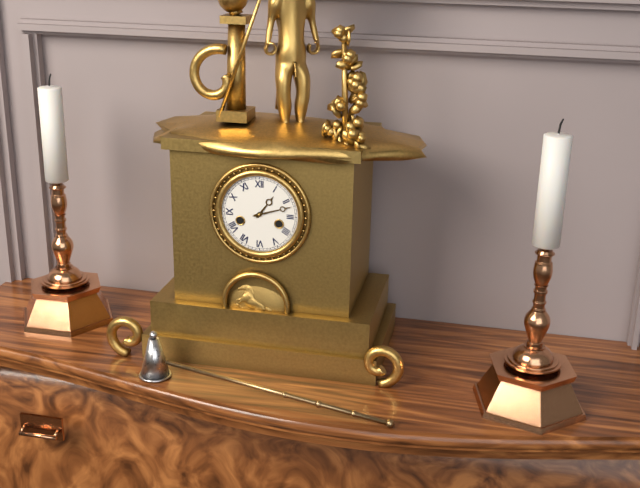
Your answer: 1.12
